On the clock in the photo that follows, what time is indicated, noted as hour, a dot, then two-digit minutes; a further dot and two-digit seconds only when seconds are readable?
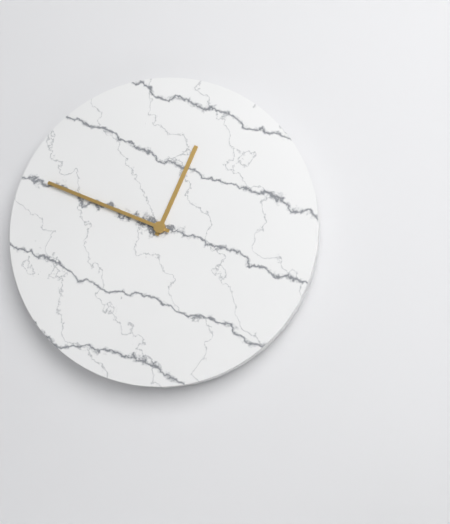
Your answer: 12.49
